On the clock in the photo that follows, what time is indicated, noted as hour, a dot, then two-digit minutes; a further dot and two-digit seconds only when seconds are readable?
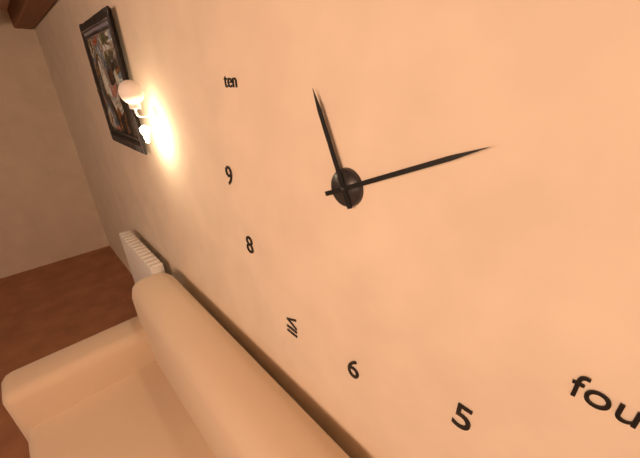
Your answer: 11.11
